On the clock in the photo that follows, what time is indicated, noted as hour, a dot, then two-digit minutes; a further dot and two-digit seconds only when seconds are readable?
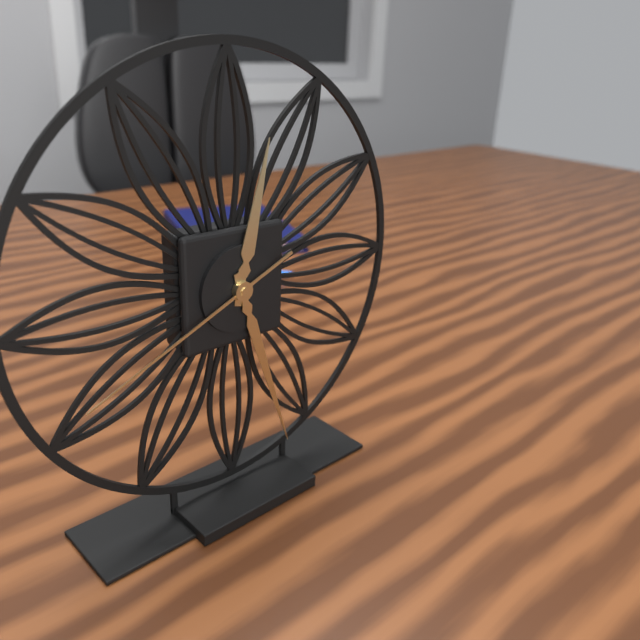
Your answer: 12.27.41
